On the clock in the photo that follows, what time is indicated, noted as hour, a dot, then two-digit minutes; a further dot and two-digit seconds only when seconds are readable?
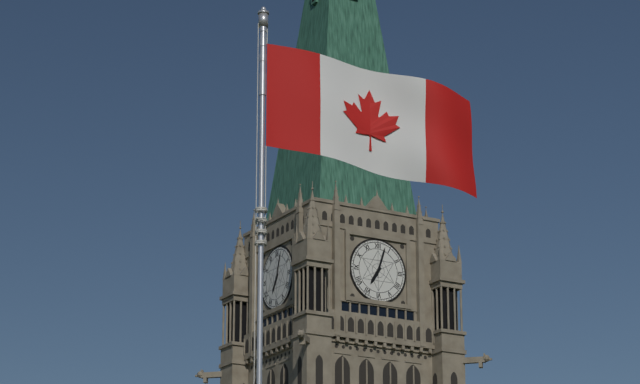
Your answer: 7.03
